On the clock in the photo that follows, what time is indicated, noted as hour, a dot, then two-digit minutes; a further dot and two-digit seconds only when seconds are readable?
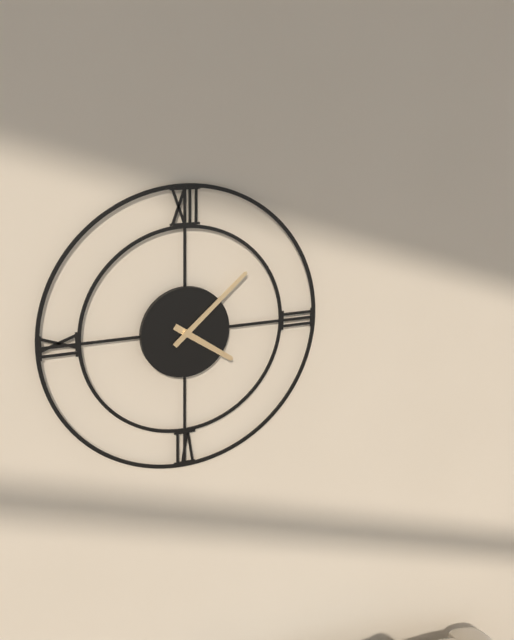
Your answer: 4.08
